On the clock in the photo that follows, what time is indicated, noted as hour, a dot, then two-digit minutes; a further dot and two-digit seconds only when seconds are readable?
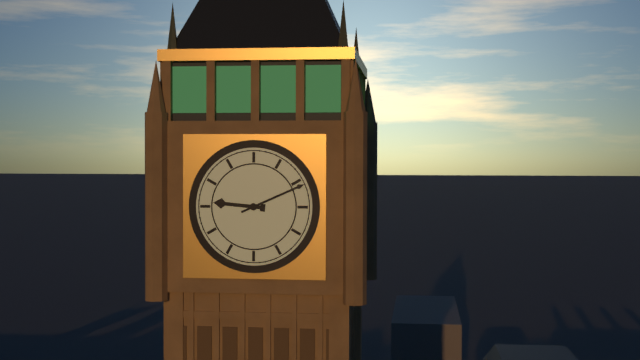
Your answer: 9.11
